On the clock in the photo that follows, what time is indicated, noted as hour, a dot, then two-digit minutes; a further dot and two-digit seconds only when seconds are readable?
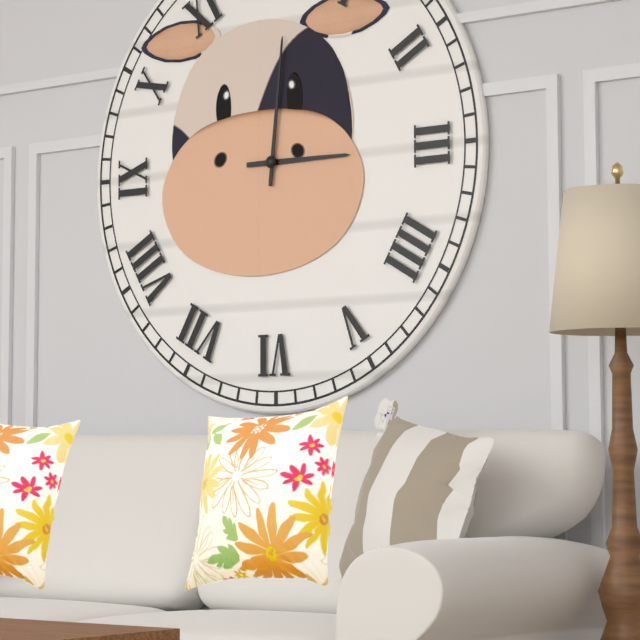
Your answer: 3.01
